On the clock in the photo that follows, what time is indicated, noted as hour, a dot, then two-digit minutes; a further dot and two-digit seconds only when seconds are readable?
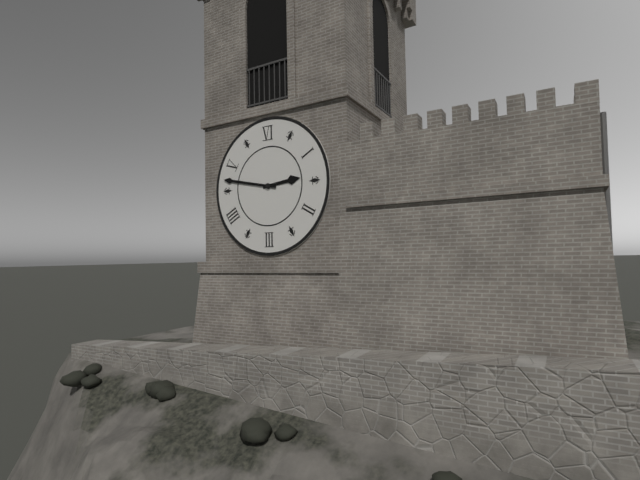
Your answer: 2.47
